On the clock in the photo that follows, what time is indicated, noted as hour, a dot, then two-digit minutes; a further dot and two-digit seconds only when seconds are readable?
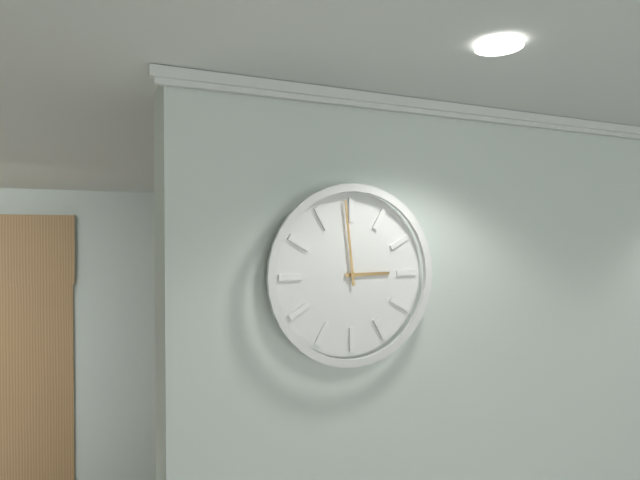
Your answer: 2.59
